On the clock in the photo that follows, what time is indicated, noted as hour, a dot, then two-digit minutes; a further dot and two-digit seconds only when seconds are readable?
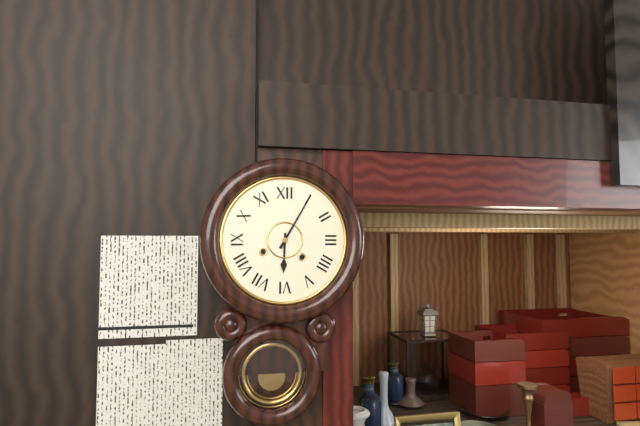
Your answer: 6.05
